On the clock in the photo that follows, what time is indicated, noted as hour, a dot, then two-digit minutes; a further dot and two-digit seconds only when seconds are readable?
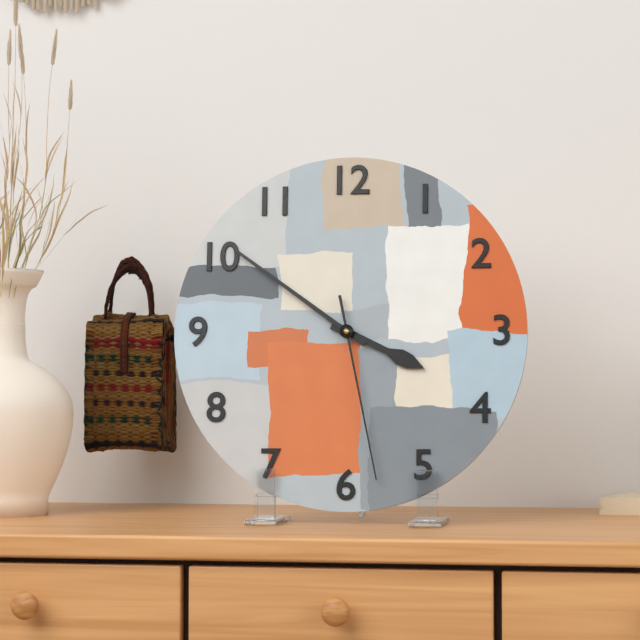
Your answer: 3.51.28
